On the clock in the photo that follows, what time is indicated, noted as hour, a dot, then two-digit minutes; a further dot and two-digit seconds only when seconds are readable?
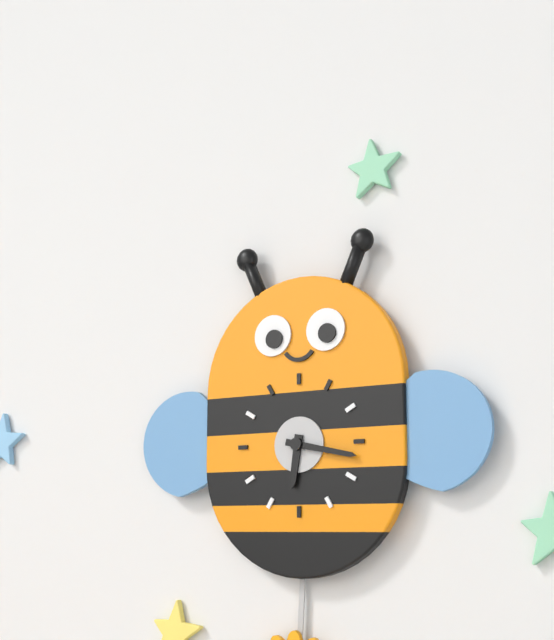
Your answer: 6.17
